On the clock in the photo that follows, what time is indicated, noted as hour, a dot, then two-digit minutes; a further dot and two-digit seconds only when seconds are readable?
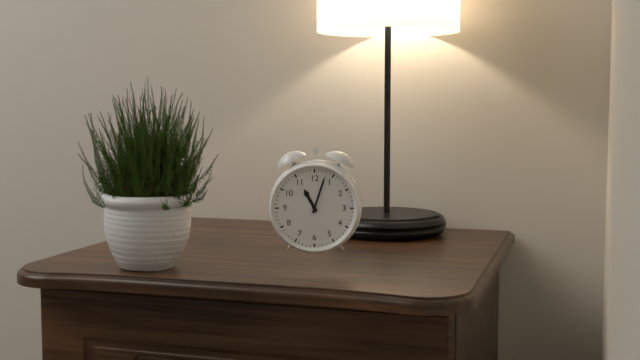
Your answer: 11.03
